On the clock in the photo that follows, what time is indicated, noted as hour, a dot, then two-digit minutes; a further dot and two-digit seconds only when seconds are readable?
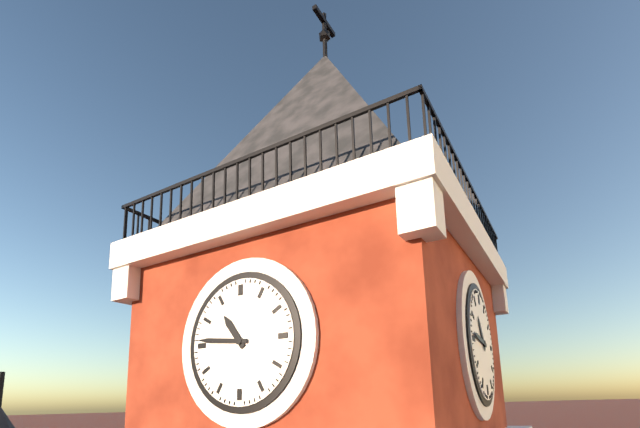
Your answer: 10.46
